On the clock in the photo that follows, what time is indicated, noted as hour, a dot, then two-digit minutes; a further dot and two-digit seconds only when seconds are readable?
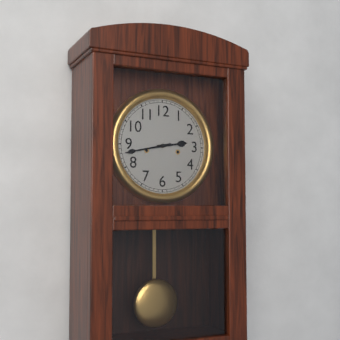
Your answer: 2.43
